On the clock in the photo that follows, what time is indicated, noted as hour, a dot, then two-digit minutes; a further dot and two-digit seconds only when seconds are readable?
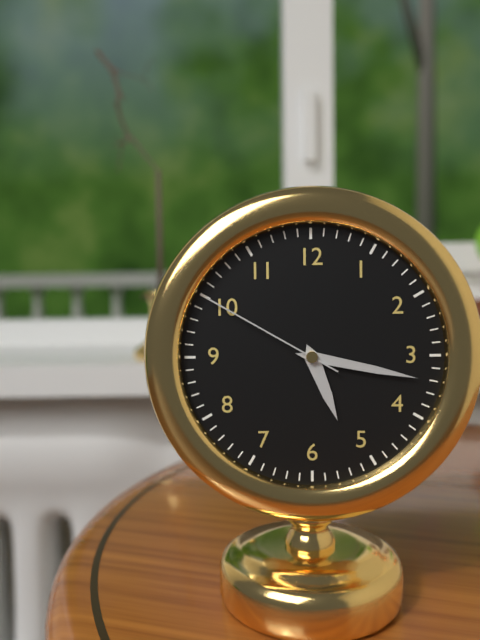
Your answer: 5.17.50
